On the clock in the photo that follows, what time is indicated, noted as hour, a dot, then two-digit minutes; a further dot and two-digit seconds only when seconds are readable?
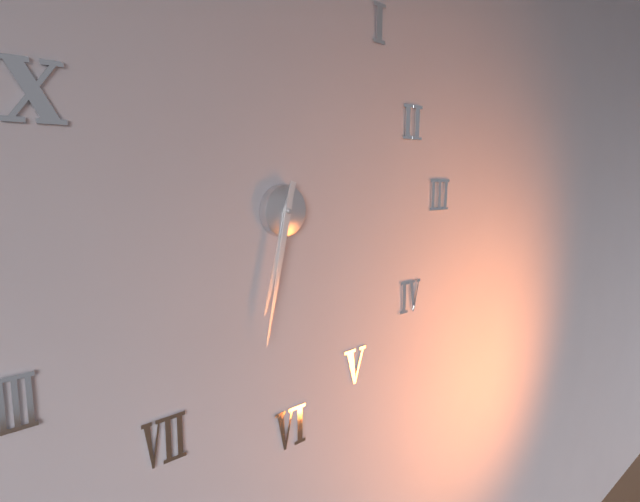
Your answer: 6.32
